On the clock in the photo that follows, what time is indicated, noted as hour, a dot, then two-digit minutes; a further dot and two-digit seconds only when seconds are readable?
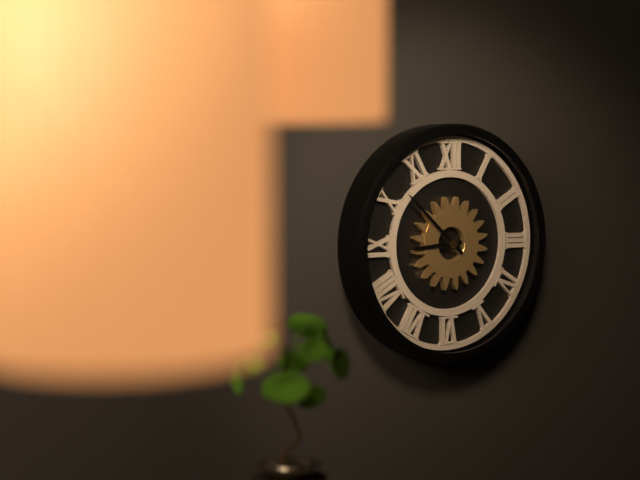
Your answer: 8.52
